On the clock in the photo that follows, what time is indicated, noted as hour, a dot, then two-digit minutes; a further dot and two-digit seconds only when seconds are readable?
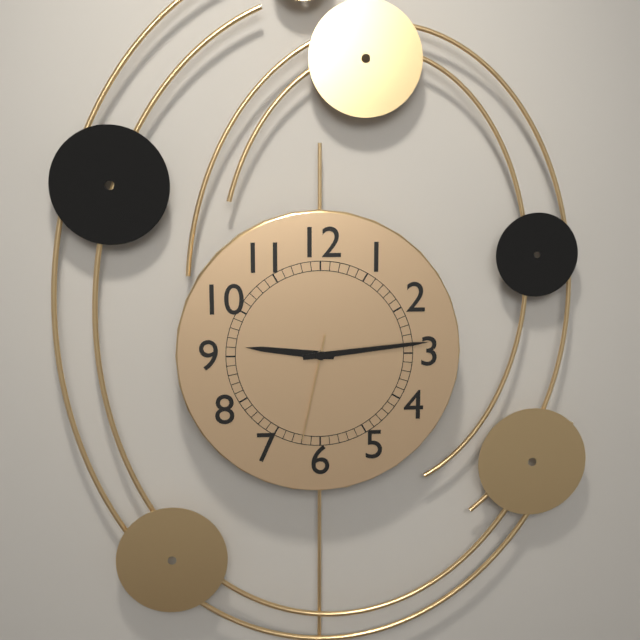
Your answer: 9.14.32
